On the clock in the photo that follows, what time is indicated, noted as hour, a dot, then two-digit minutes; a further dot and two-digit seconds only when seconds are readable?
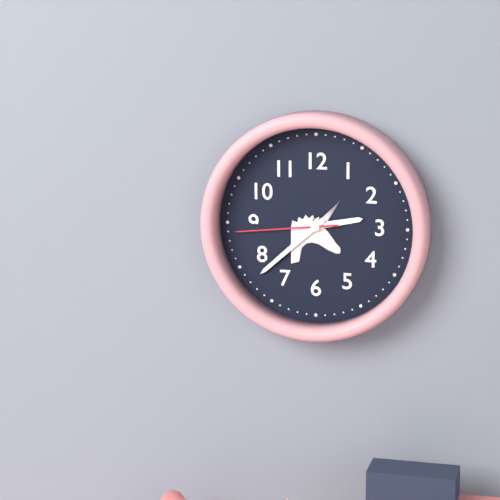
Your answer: 2.38.44
